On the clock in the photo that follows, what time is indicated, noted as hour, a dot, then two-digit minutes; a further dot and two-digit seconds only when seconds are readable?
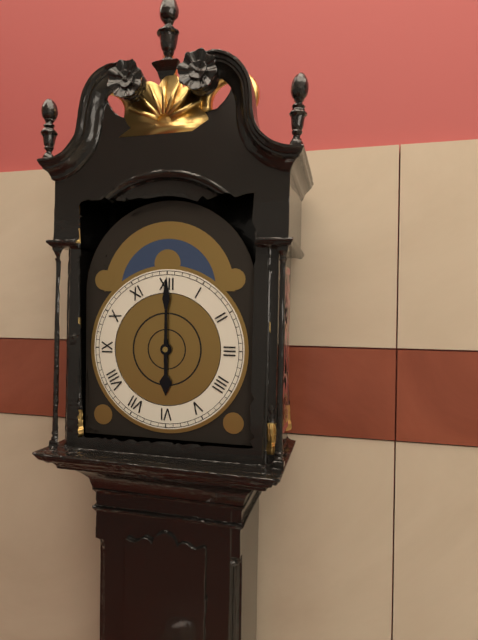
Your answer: 6.00
